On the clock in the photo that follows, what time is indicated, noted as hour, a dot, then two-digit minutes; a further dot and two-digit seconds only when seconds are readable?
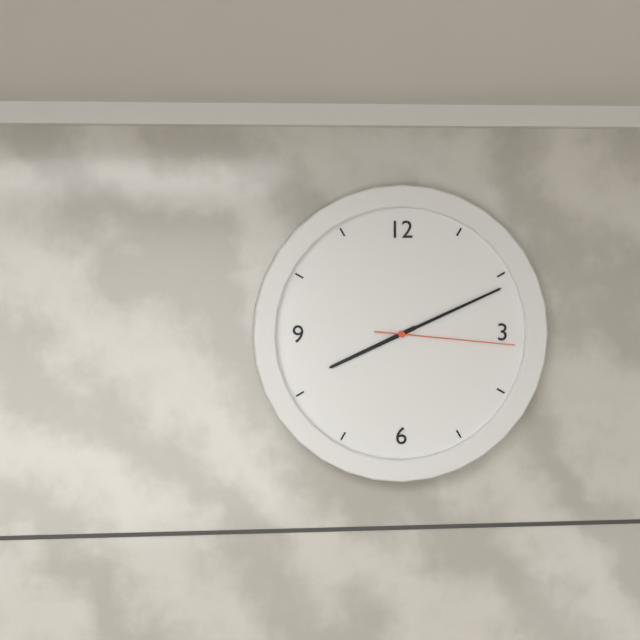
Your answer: 8.11.16
